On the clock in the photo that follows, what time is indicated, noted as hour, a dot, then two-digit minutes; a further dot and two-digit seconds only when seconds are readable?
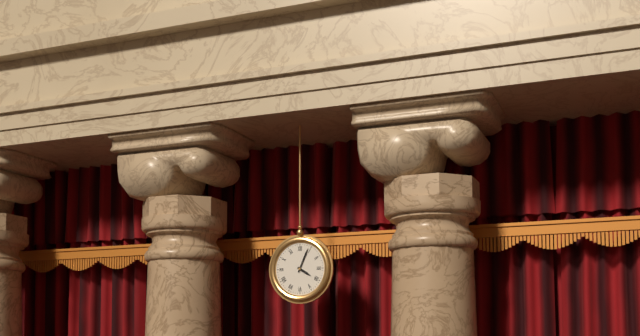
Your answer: 4.04
